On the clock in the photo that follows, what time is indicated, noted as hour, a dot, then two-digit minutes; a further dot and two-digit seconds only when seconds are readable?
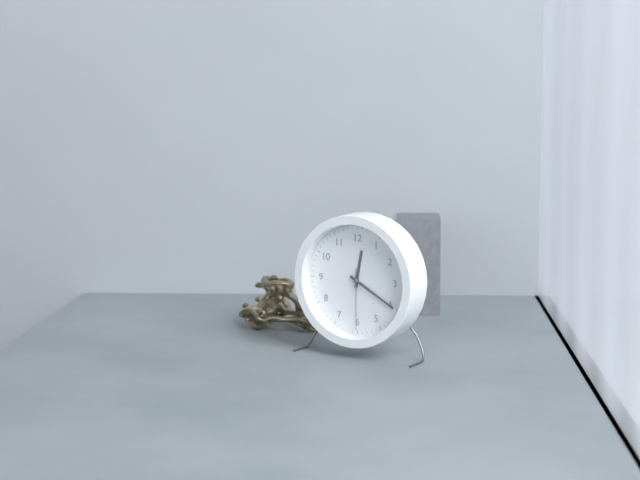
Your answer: 12.20.30
